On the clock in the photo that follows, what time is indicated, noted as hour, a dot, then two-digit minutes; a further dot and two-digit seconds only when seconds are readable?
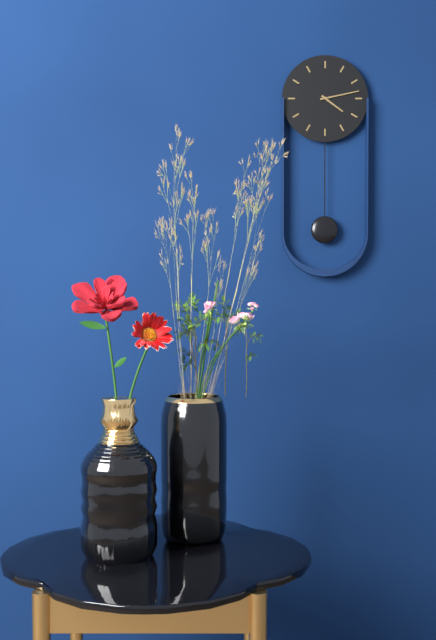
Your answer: 4.13
